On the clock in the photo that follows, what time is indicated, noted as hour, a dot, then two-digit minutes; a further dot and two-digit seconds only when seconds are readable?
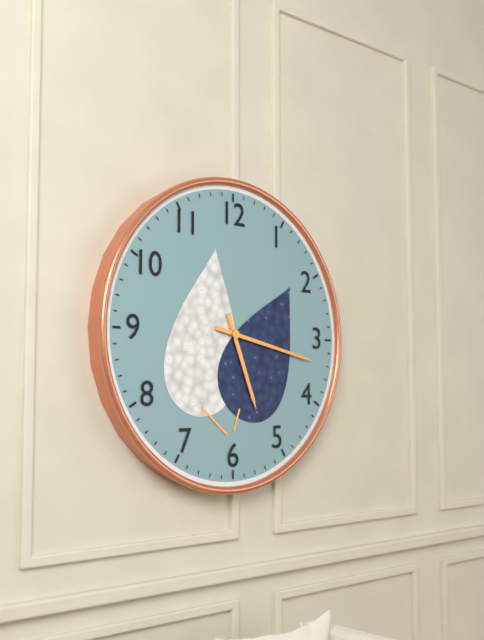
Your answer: 5.17
